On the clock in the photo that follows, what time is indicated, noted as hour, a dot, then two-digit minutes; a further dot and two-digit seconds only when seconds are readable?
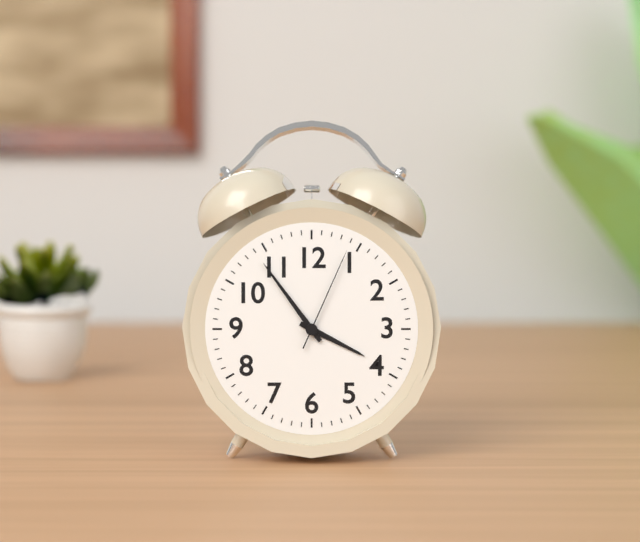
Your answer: 3.54.04
